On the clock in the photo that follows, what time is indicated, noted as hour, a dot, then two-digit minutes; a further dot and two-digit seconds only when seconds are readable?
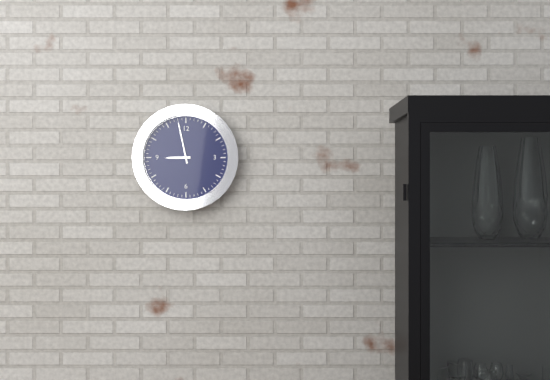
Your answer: 8.58
